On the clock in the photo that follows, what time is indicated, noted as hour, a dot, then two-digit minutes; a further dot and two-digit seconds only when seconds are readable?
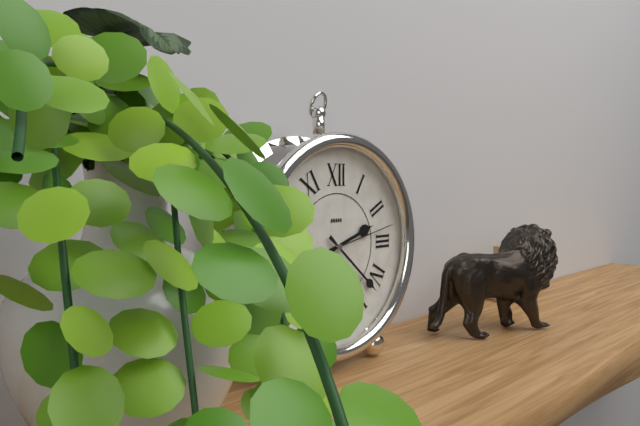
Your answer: 2.22.13
